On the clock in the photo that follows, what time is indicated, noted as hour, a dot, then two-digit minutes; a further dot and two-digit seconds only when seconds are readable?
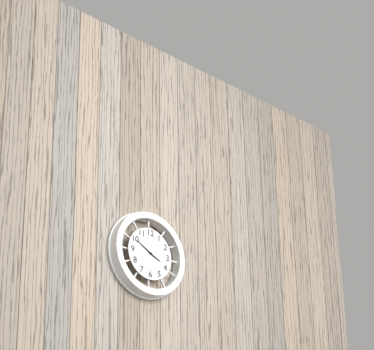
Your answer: 3.50
